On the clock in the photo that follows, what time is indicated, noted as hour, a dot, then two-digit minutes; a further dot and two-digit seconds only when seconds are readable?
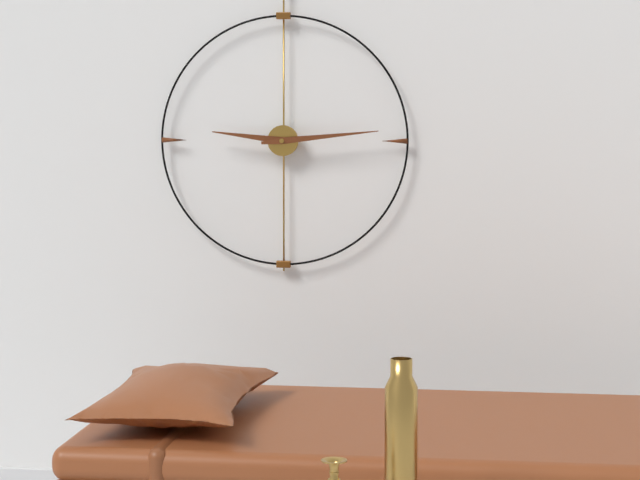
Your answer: 9.14
